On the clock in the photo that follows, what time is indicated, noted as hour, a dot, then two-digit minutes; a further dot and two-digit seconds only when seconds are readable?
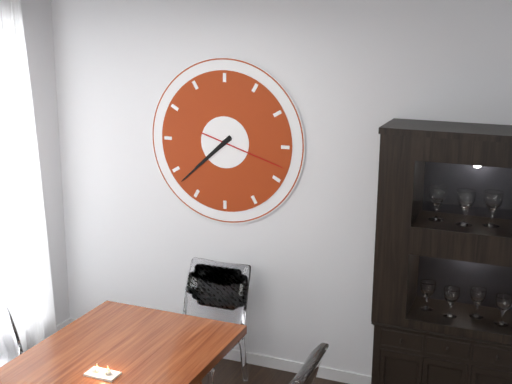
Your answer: 7.38.18
